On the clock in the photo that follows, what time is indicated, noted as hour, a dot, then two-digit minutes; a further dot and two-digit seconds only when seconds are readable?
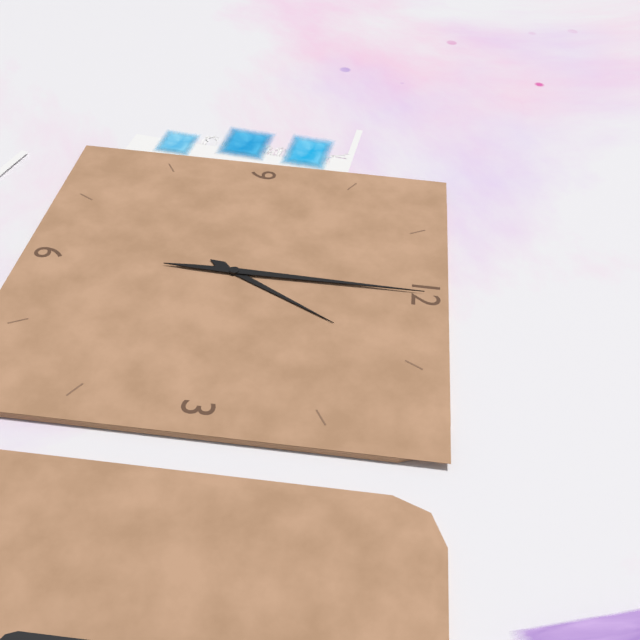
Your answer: 1.00
